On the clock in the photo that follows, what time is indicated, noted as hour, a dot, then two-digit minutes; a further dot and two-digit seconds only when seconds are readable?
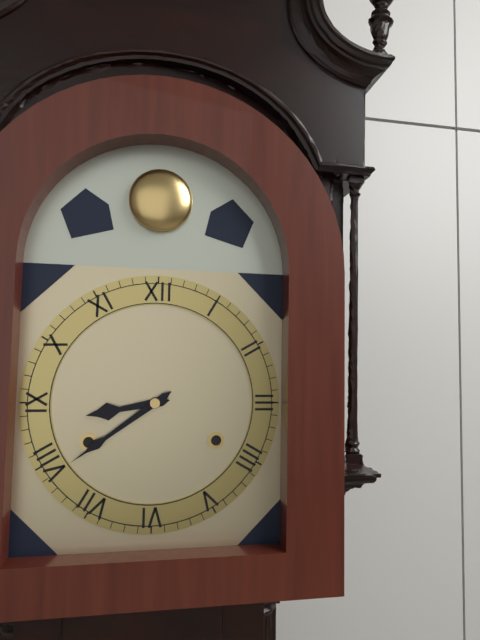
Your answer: 8.39
